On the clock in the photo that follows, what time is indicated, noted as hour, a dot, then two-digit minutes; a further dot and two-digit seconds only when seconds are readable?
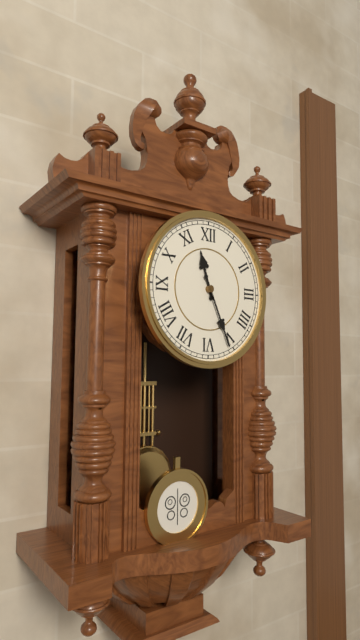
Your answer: 11.26
